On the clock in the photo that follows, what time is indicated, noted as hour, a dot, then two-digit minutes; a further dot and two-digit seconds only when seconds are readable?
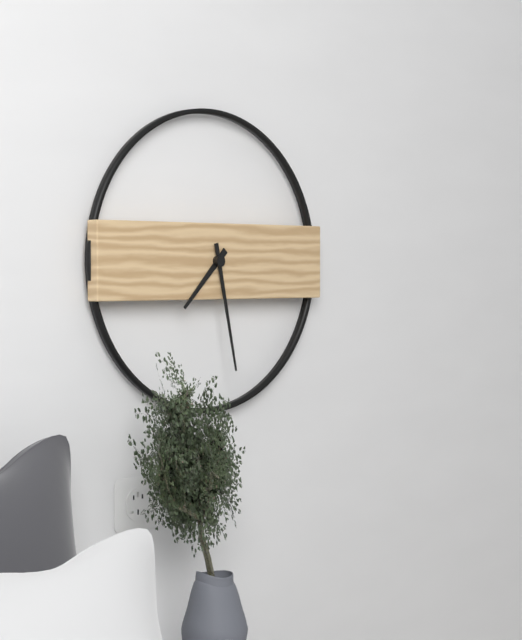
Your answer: 7.28
